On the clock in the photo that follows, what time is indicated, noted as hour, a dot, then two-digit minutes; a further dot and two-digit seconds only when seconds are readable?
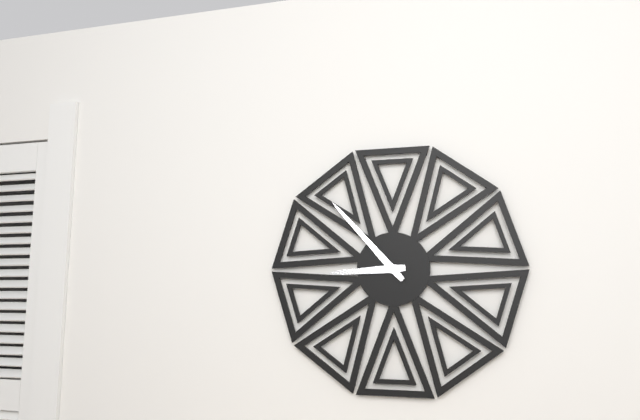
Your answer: 8.53
